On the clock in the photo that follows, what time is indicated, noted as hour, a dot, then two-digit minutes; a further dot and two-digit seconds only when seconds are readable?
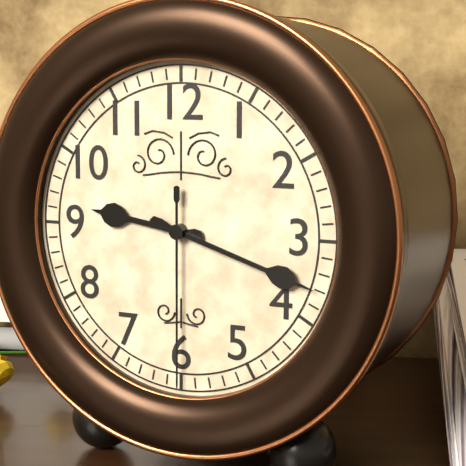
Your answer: 9.18.30
